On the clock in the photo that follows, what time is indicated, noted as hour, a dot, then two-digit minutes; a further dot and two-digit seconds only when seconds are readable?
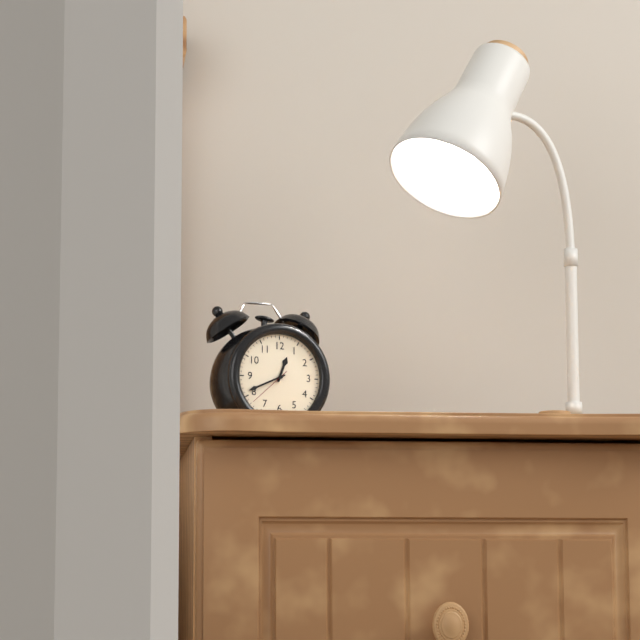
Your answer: 12.41
